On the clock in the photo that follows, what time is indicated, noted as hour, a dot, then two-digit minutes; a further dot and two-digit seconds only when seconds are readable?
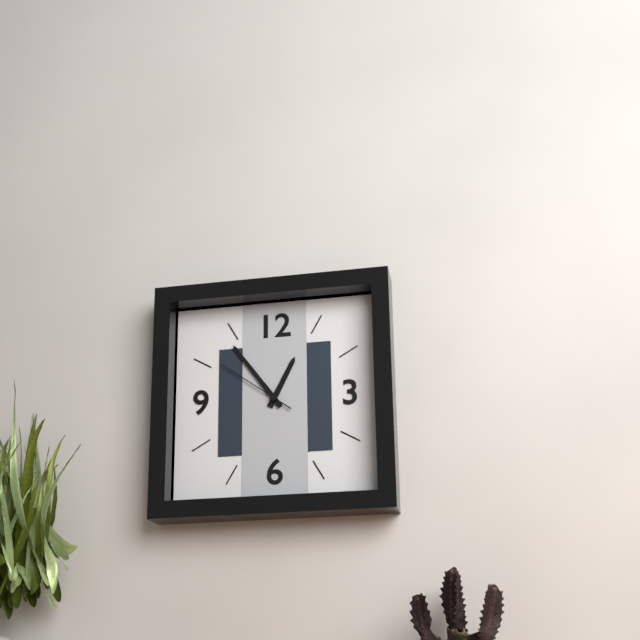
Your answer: 12.54.51
